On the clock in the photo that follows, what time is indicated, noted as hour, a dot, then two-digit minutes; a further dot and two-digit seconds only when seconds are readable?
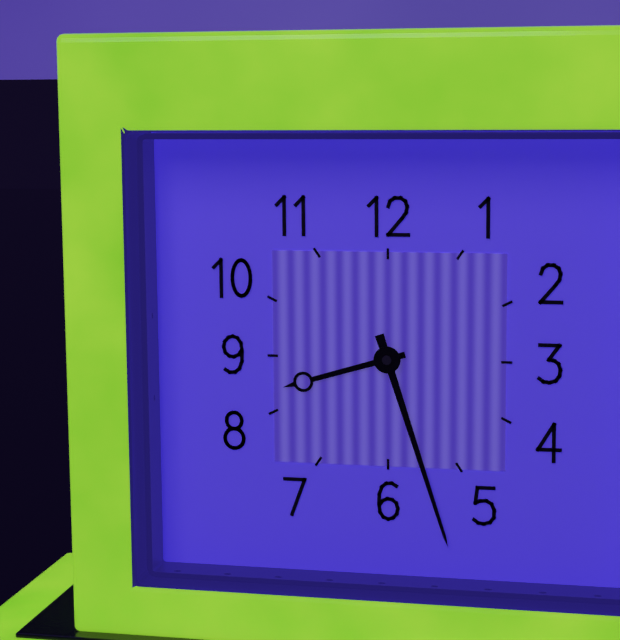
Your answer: 8.27
